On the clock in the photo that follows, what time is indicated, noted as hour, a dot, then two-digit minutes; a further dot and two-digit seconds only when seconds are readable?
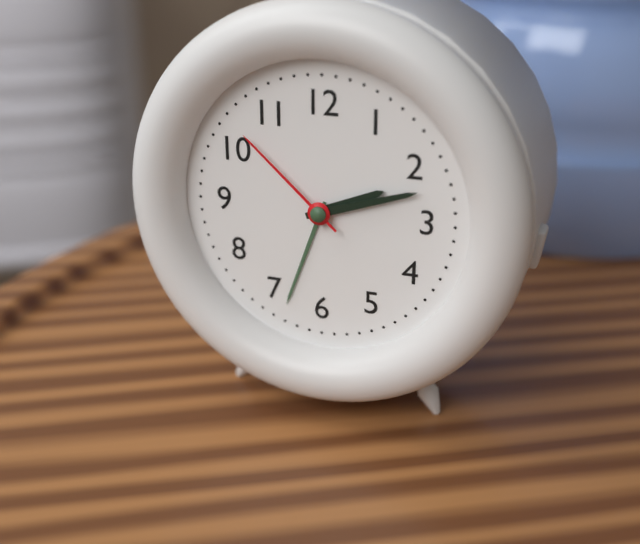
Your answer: 2.12.52
